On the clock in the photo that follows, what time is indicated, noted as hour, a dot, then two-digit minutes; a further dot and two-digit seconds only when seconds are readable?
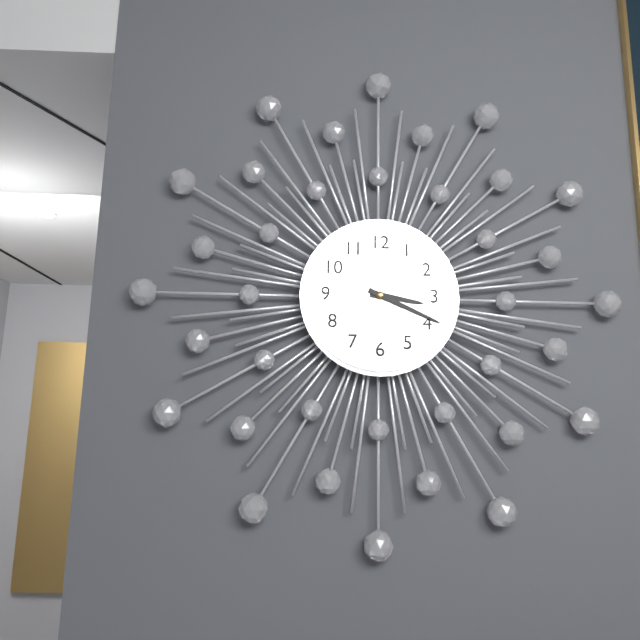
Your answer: 3.19
